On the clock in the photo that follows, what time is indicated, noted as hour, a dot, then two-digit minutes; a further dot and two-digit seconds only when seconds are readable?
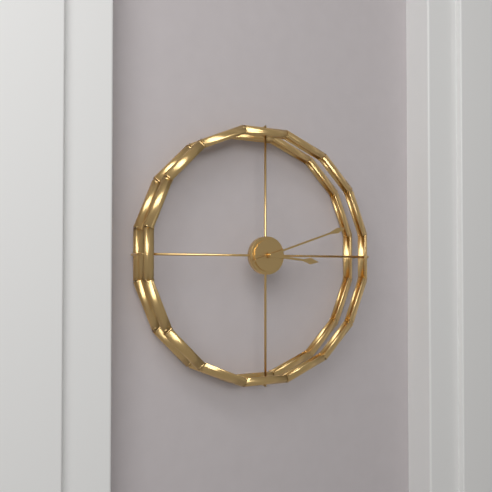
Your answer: 3.12
